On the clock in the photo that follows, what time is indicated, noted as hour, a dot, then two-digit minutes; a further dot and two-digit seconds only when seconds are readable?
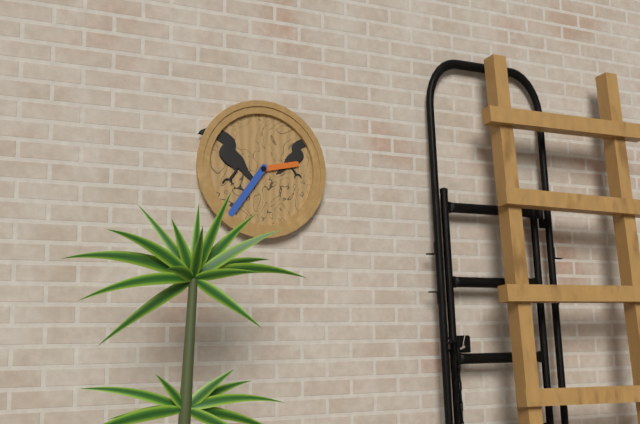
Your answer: 2.36
